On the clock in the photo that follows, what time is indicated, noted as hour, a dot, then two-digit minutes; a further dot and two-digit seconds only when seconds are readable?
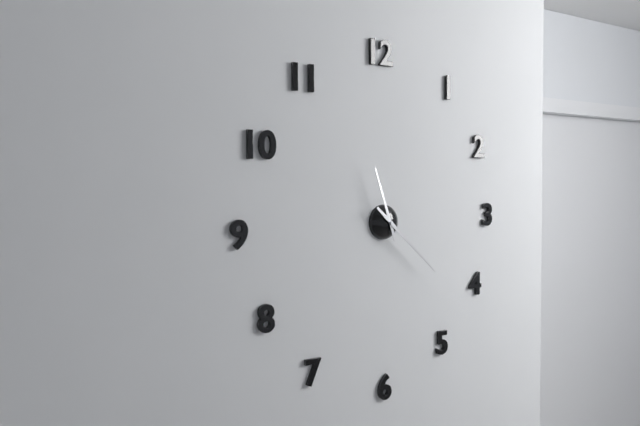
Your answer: 11.22
